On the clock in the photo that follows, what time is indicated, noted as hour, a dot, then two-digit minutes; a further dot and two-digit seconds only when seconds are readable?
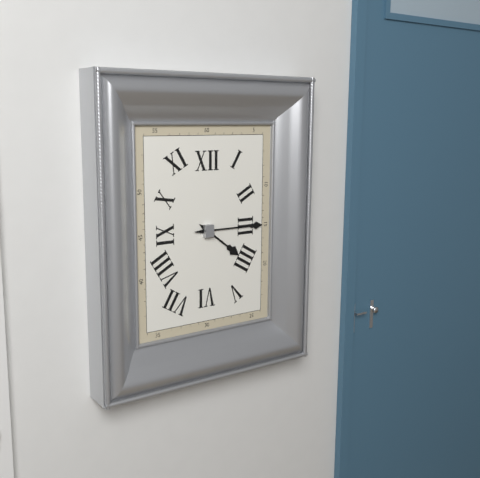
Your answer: 4.15
